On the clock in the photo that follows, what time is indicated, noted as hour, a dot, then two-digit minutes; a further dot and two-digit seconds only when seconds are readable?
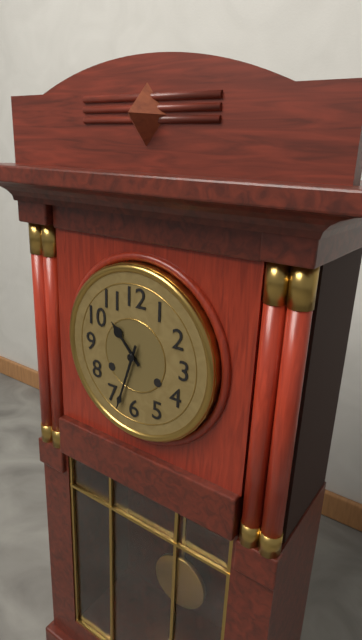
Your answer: 10.33
